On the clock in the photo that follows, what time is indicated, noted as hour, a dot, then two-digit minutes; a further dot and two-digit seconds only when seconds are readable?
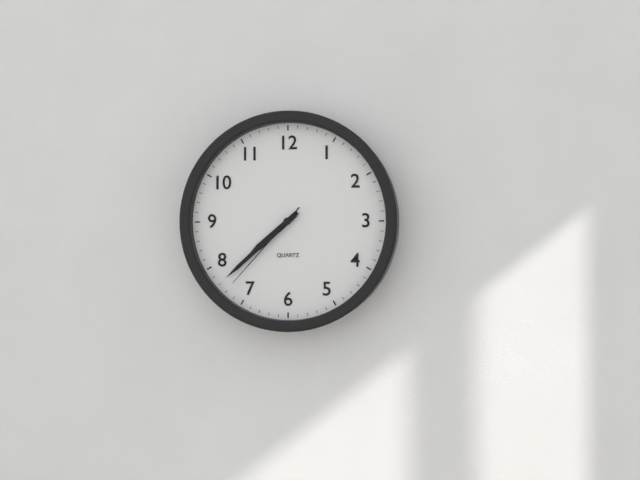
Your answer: 7.38.37
